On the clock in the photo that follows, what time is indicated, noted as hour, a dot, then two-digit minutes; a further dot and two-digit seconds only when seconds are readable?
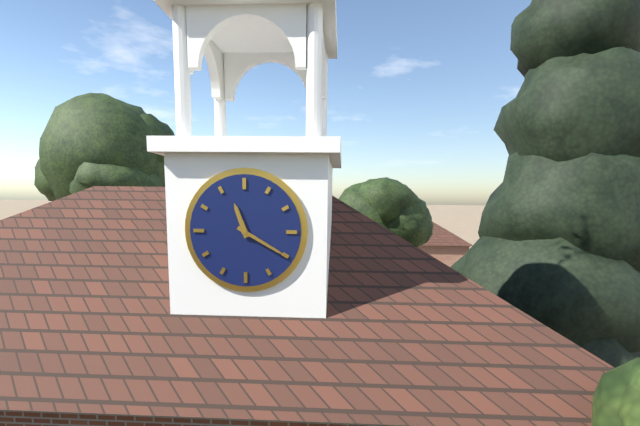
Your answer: 11.20
